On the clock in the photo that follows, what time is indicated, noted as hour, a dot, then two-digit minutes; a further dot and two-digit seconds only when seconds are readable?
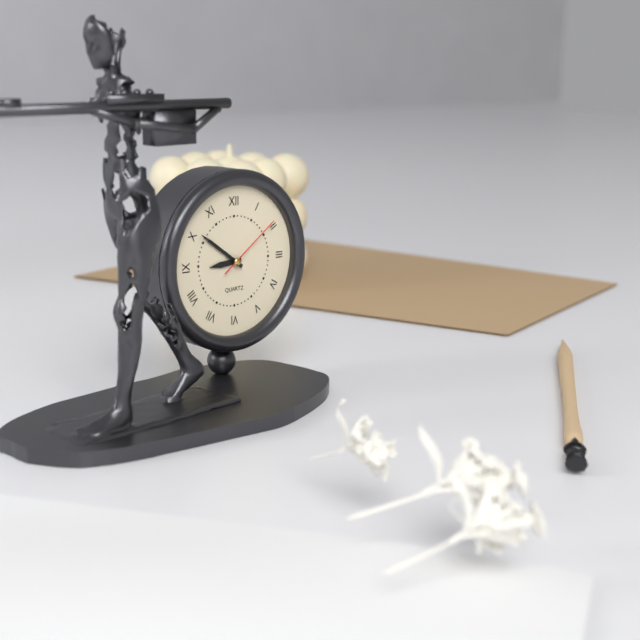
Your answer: 8.51.09
